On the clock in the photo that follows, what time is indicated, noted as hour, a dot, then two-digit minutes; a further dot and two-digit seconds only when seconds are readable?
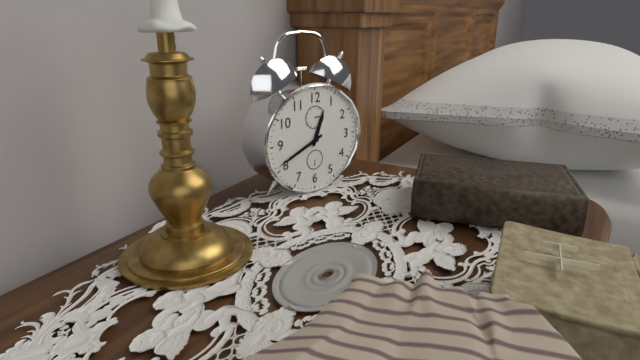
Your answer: 12.41
